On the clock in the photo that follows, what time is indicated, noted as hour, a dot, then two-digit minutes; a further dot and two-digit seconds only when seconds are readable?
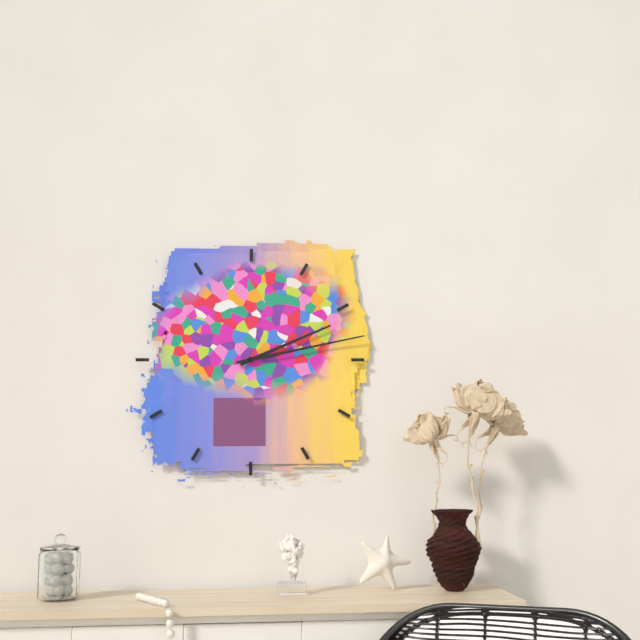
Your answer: 2.13
